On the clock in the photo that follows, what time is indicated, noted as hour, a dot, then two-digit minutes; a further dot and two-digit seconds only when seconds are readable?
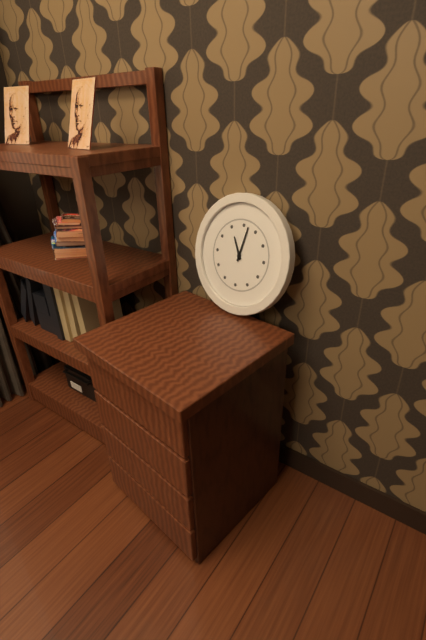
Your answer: 11.02
